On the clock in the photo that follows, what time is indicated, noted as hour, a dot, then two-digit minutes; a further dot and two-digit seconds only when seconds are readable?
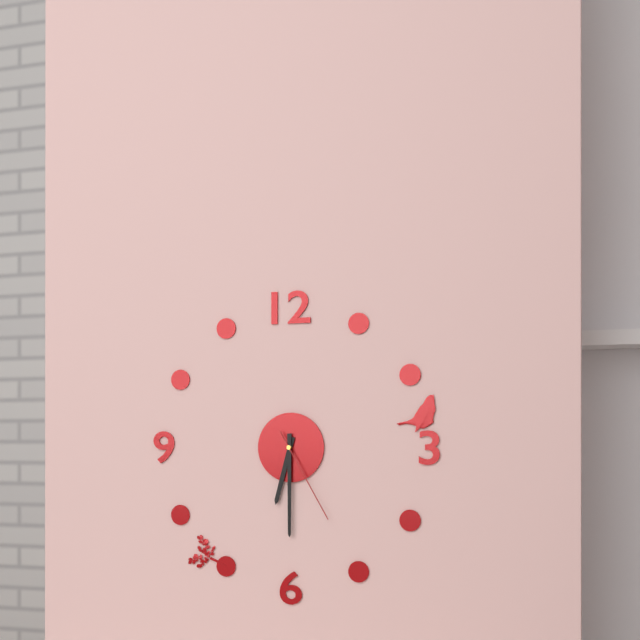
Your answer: 6.30.25
